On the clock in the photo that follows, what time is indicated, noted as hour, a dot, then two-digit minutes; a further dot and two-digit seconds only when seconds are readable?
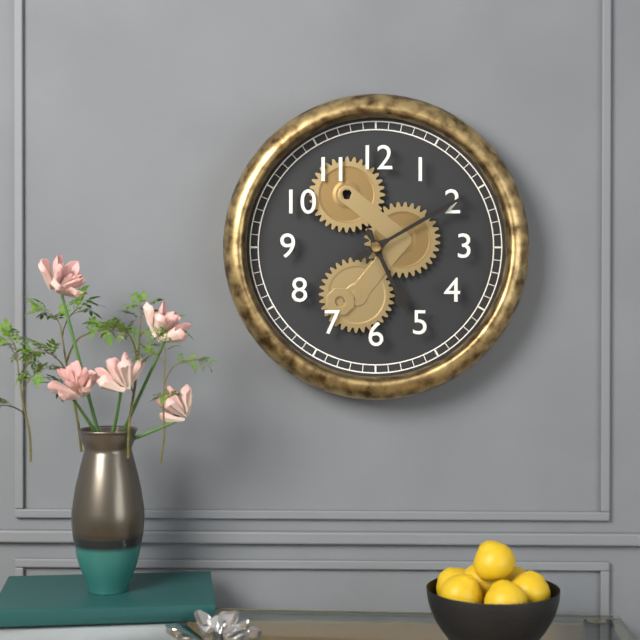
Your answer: 5.10
